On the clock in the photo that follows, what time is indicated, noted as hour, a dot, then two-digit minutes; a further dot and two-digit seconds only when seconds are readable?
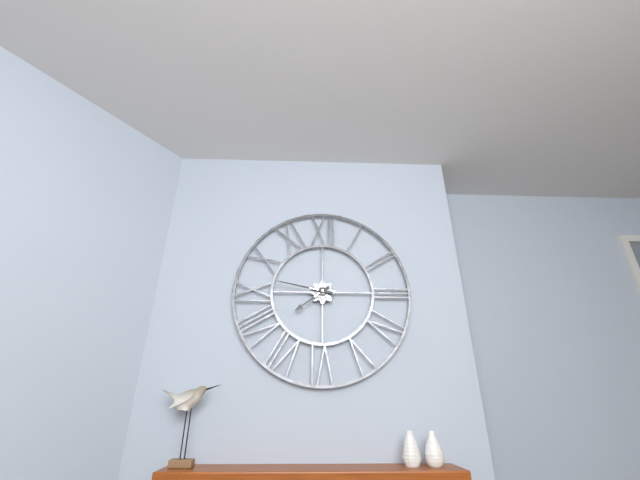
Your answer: 7.47
